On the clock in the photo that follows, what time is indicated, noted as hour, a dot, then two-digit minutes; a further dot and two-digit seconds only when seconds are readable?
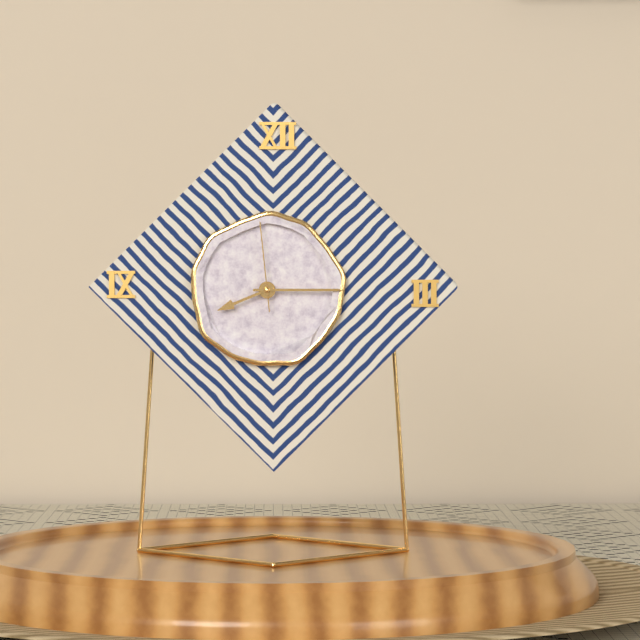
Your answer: 8.15.59
